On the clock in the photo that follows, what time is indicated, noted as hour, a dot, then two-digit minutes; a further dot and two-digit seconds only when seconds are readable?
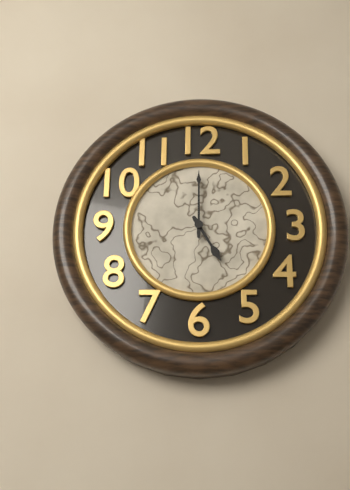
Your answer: 5.00
